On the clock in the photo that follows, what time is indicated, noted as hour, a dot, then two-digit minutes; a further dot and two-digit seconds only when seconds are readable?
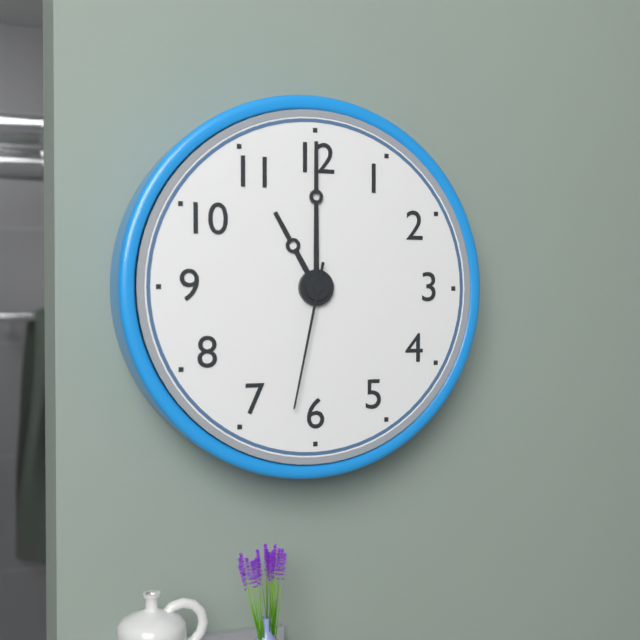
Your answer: 11.00.32
